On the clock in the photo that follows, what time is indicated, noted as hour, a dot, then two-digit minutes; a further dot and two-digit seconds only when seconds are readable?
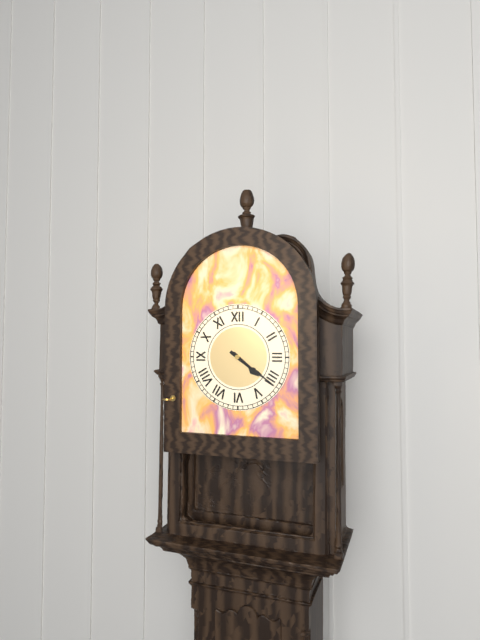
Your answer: 4.21
